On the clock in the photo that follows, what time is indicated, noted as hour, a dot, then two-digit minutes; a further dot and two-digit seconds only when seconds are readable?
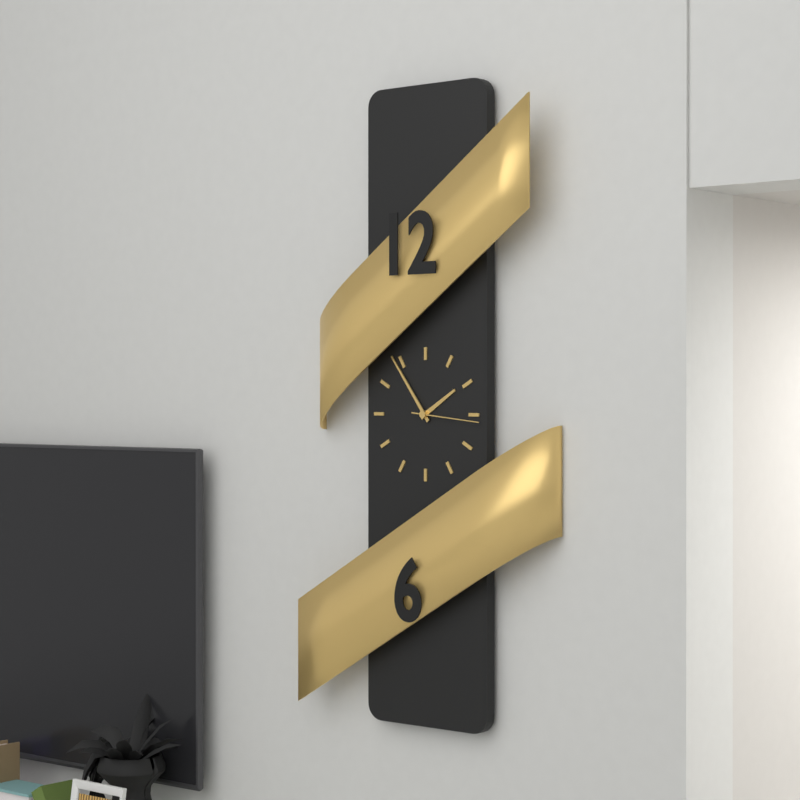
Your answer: 1.54.16
